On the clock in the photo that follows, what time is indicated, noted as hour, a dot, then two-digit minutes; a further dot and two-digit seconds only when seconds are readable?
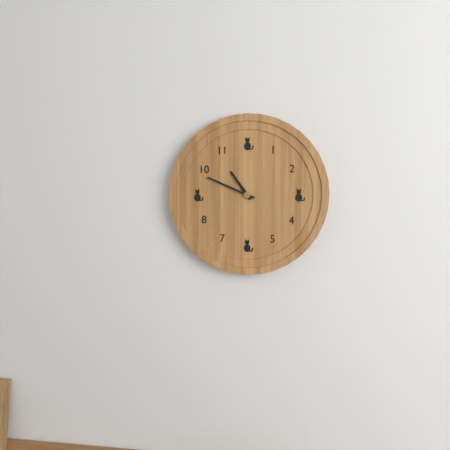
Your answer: 10.49
